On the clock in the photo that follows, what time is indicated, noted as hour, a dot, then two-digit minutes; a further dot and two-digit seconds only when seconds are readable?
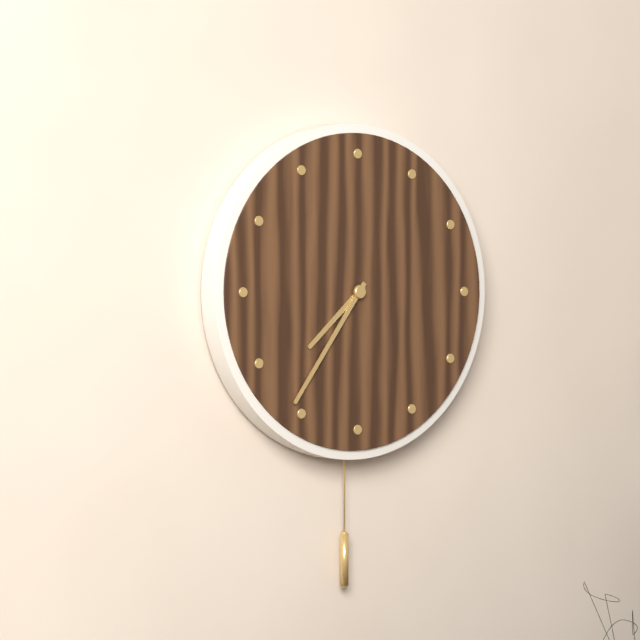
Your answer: 7.36
